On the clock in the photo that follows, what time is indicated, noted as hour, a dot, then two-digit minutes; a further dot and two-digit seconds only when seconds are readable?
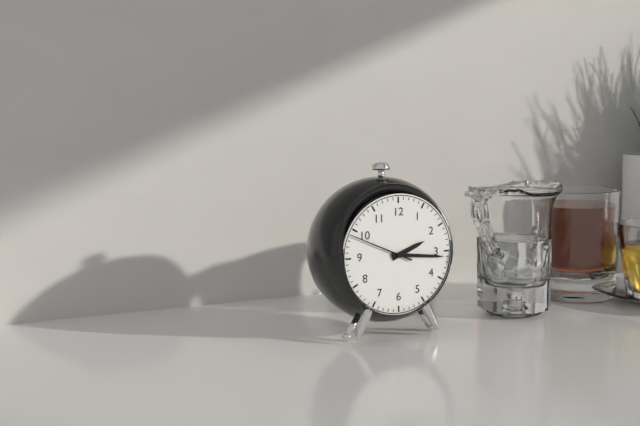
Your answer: 2.16.49
